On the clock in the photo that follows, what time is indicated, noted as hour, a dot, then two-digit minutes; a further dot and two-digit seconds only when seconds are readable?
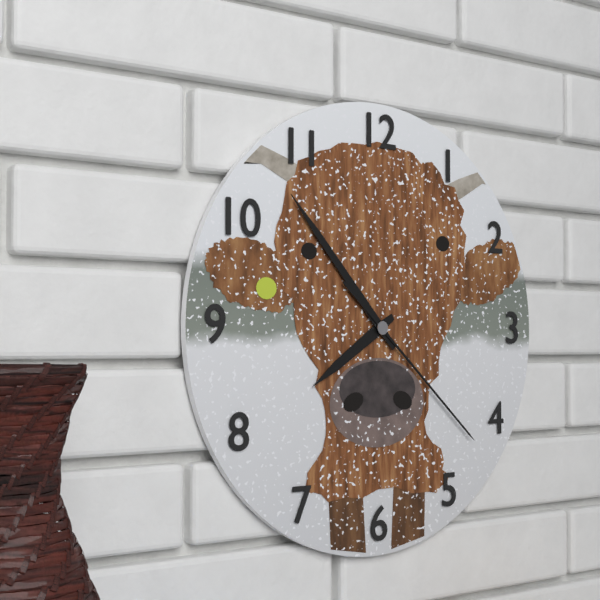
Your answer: 7.53.22
